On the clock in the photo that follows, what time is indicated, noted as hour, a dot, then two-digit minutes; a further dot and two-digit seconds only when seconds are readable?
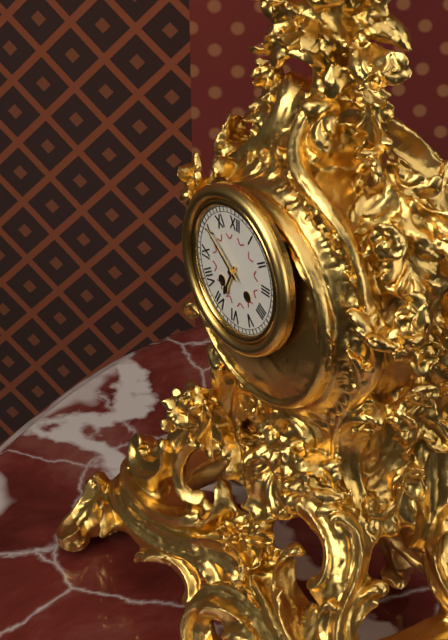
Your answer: 6.51
